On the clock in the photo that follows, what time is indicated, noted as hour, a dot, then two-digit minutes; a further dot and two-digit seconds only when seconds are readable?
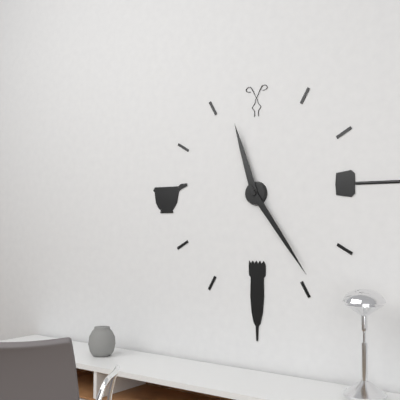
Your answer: 11.24
